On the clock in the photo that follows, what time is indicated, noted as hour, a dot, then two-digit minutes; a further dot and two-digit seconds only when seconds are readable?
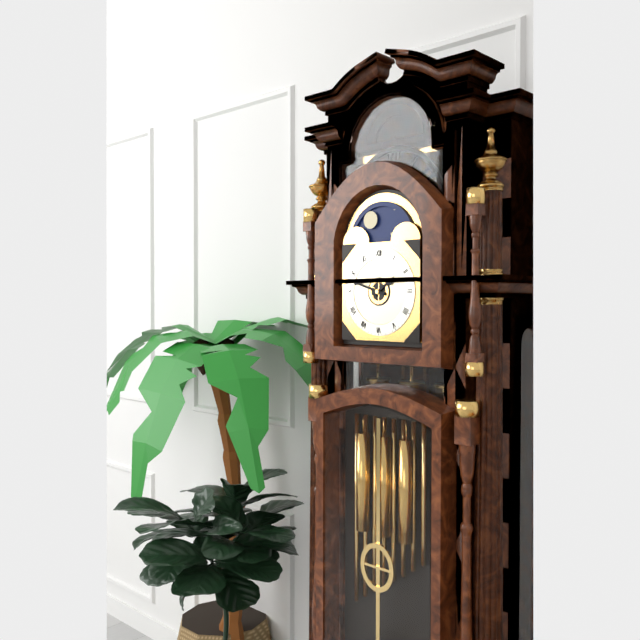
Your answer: 1.48
